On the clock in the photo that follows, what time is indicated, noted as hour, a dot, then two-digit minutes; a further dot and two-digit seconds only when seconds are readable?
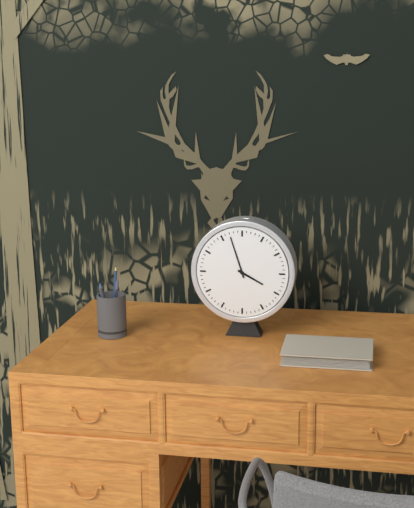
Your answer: 3.57
